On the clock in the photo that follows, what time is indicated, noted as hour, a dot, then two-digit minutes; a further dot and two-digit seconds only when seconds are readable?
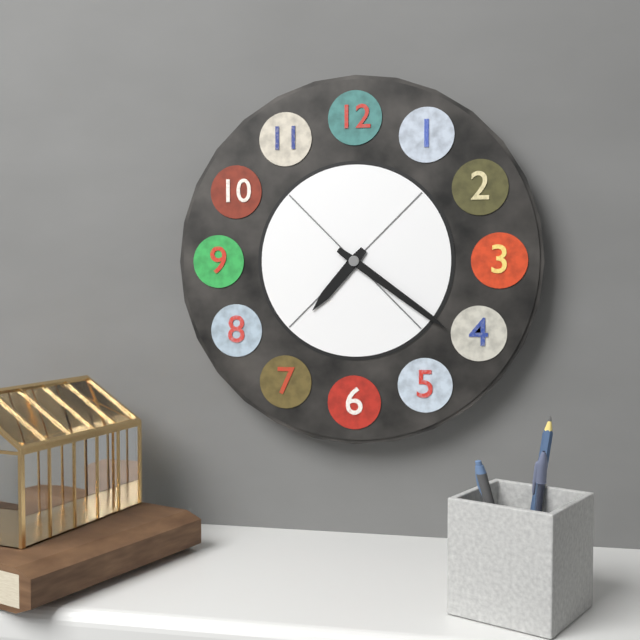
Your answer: 7.21
